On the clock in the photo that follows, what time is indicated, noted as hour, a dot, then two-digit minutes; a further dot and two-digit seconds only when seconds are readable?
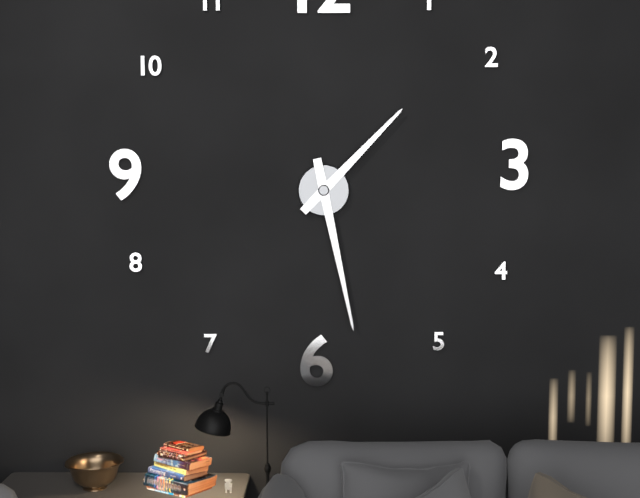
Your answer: 1.28
